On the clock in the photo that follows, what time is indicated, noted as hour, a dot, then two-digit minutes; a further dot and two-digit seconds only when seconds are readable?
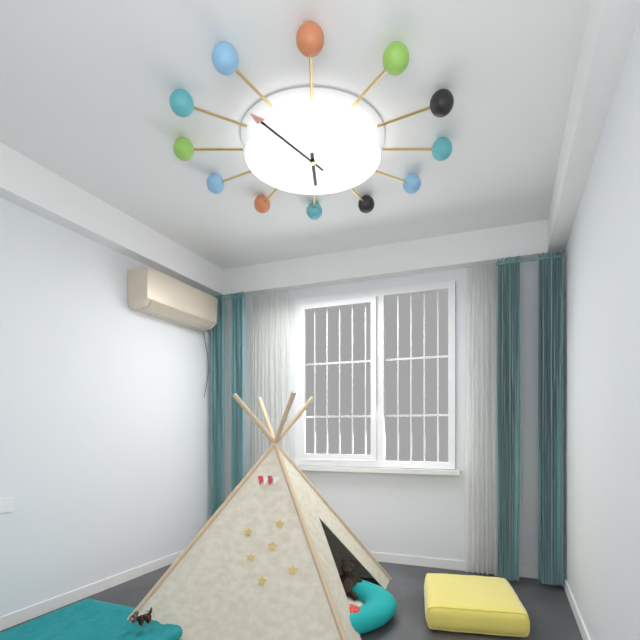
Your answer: 5.54
